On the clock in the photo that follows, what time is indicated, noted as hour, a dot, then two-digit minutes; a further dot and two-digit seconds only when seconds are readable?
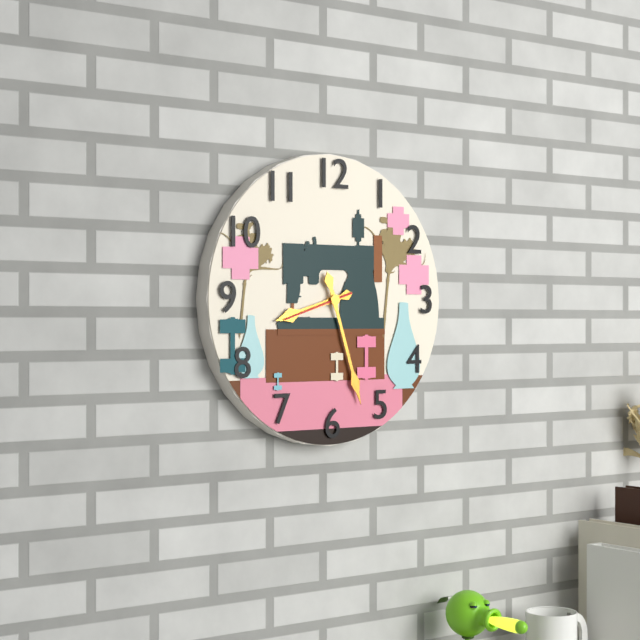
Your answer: 8.27.42
